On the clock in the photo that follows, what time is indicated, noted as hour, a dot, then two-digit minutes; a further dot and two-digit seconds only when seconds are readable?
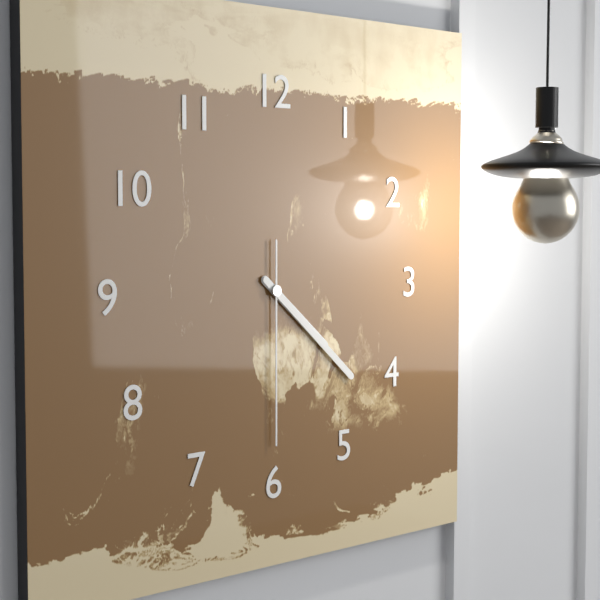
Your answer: 4.22.30
